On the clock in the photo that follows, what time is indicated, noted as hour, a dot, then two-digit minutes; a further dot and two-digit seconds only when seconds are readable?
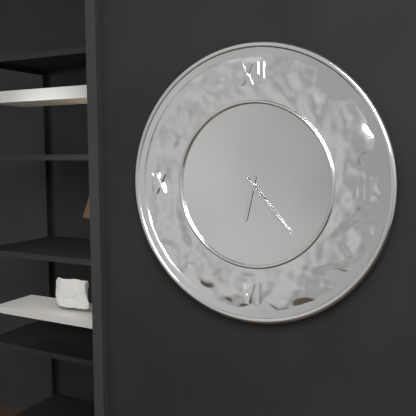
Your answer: 6.23
